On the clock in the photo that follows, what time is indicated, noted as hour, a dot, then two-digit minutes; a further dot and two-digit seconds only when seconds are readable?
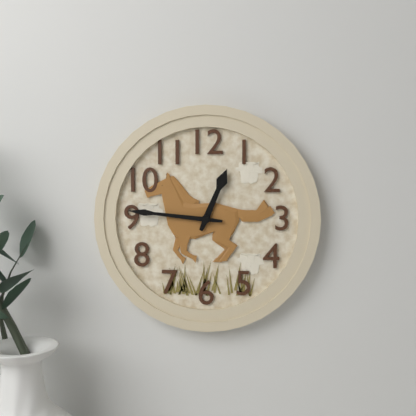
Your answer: 12.46
